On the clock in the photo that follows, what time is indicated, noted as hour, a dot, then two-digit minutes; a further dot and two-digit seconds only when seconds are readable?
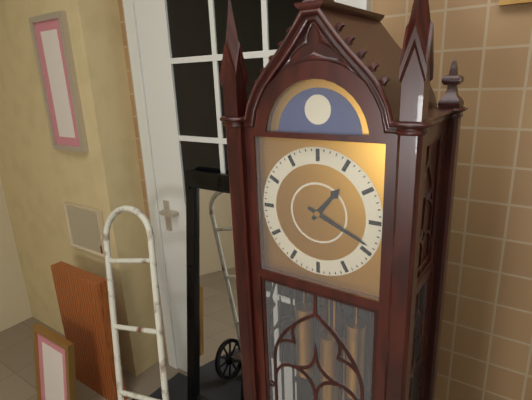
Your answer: 1.19
